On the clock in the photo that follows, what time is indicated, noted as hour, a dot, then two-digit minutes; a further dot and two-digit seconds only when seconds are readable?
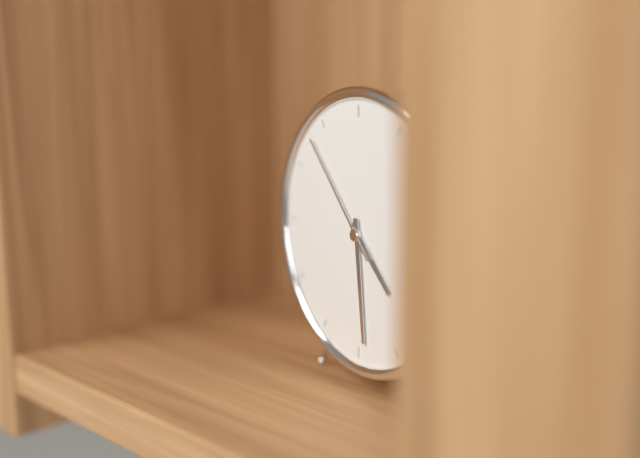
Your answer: 4.29.53
